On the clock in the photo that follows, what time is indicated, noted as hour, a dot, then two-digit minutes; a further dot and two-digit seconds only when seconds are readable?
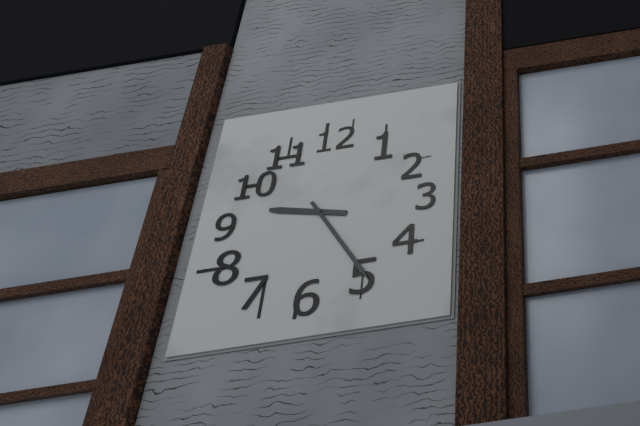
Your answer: 9.24
